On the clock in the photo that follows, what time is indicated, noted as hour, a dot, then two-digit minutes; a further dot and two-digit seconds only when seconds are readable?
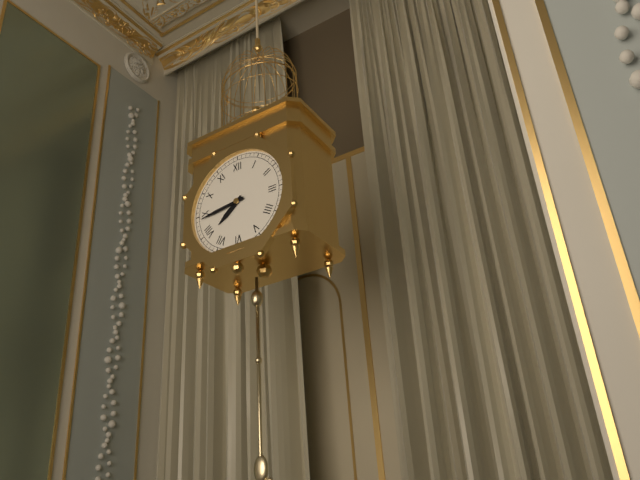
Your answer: 7.44
